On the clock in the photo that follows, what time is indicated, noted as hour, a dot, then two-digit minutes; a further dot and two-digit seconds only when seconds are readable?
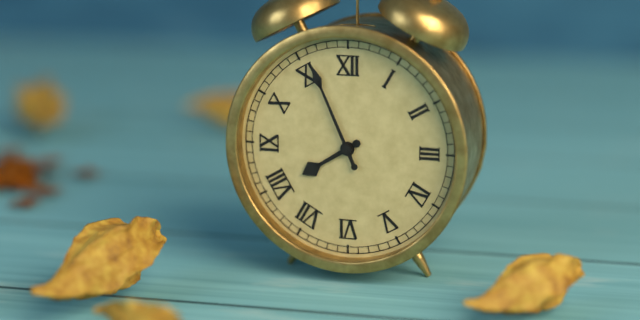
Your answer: 7.56
